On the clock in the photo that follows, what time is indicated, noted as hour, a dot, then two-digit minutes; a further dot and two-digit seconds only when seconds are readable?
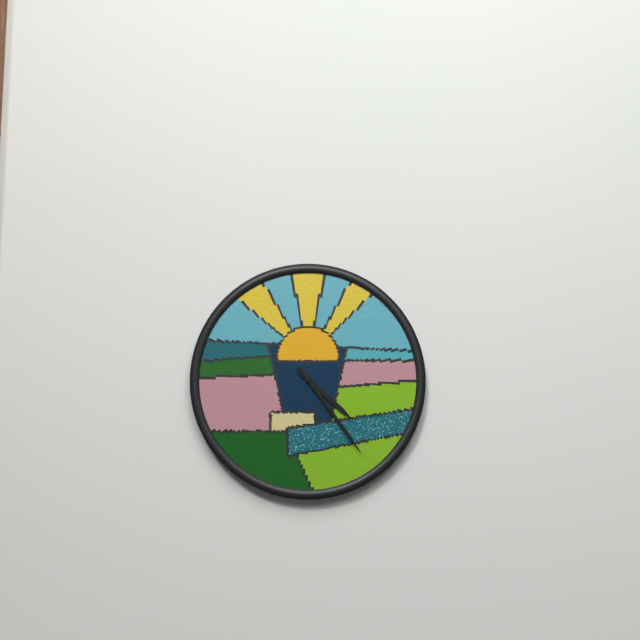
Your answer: 4.24
